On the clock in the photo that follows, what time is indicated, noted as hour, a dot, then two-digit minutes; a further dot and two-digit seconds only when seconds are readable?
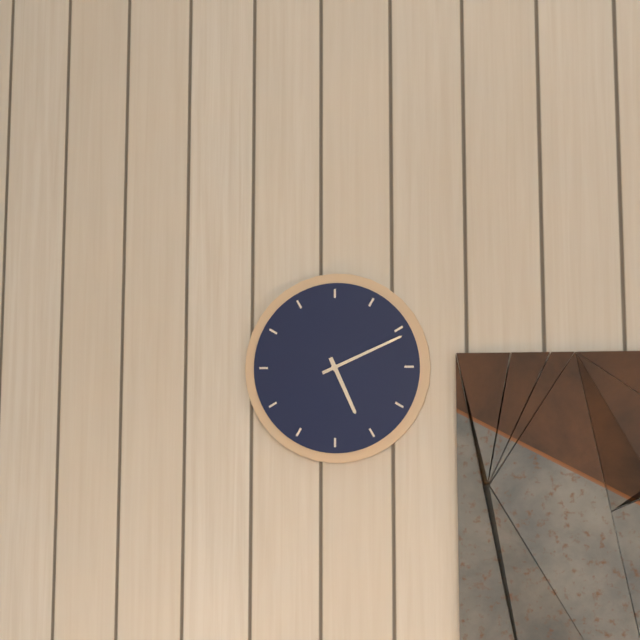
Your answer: 5.11
